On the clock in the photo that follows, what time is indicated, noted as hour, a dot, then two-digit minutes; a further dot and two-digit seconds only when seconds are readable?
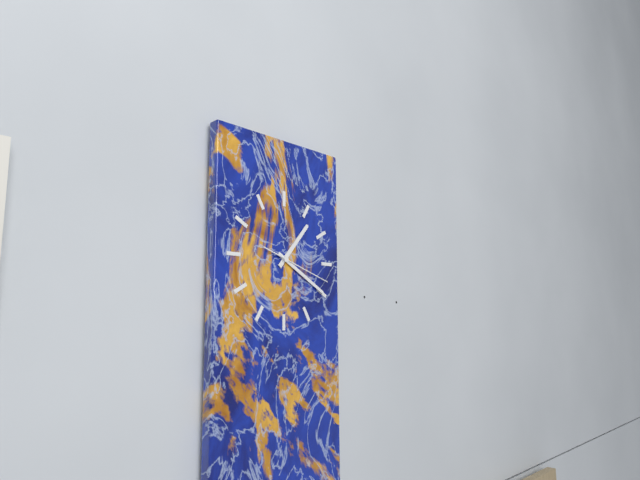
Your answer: 1.20.18
